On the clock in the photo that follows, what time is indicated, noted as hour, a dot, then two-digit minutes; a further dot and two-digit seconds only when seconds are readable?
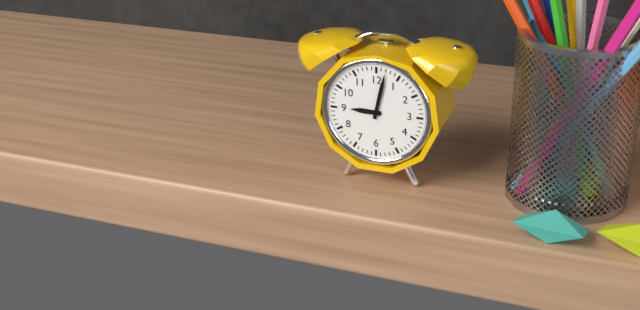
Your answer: 9.02
